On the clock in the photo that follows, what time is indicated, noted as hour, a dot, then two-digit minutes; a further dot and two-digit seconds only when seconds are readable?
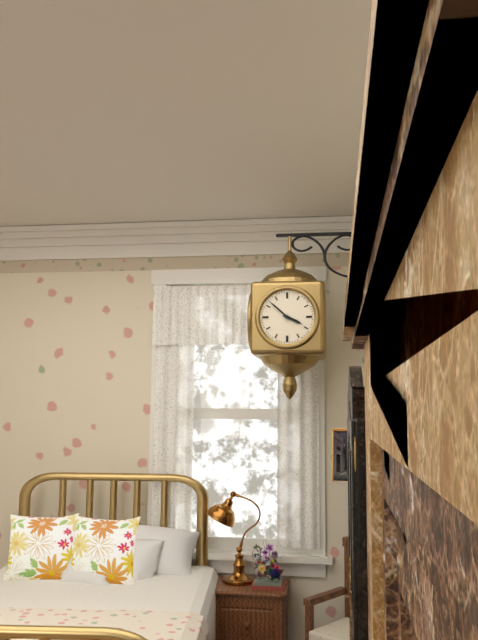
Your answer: 3.52
